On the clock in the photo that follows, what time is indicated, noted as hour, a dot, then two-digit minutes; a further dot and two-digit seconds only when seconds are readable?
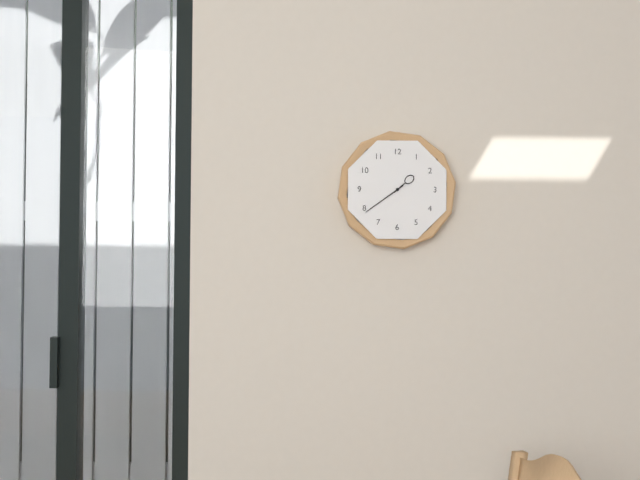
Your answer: 1.39
